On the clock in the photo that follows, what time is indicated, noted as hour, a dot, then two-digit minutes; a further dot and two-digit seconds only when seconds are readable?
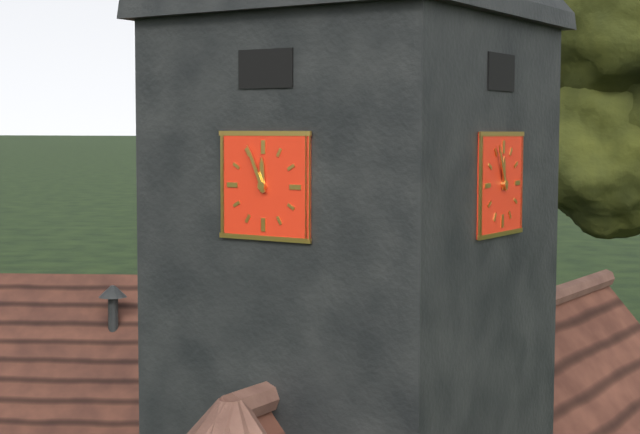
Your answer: 11.56
